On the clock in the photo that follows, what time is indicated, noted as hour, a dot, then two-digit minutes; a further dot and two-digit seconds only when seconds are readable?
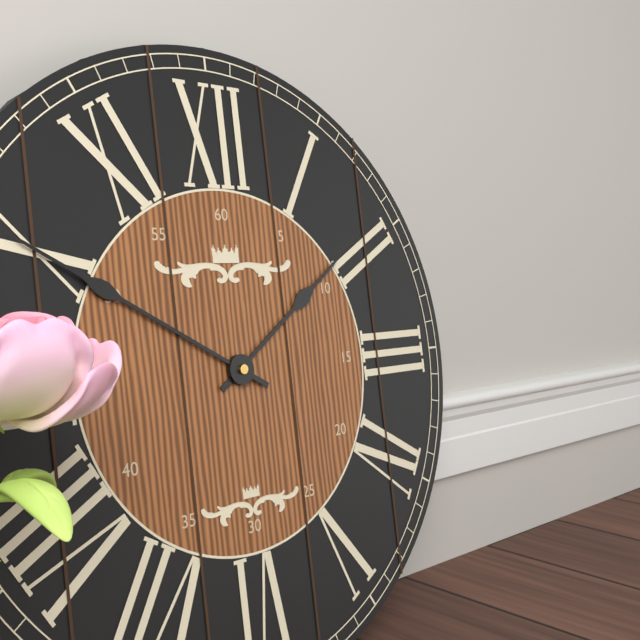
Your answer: 1.50
